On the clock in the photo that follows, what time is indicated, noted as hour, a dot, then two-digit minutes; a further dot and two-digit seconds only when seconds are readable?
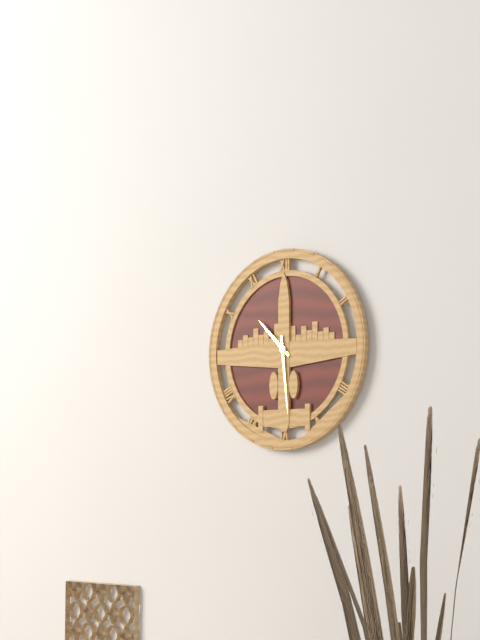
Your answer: 10.29
